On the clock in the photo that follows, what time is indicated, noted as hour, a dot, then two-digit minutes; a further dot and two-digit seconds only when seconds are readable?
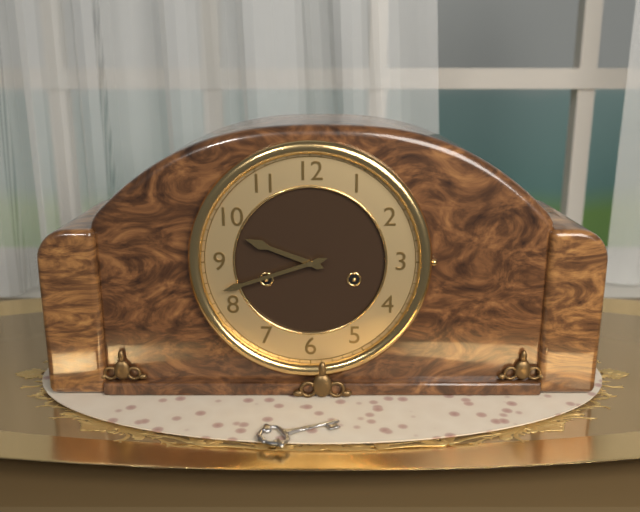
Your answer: 9.42
